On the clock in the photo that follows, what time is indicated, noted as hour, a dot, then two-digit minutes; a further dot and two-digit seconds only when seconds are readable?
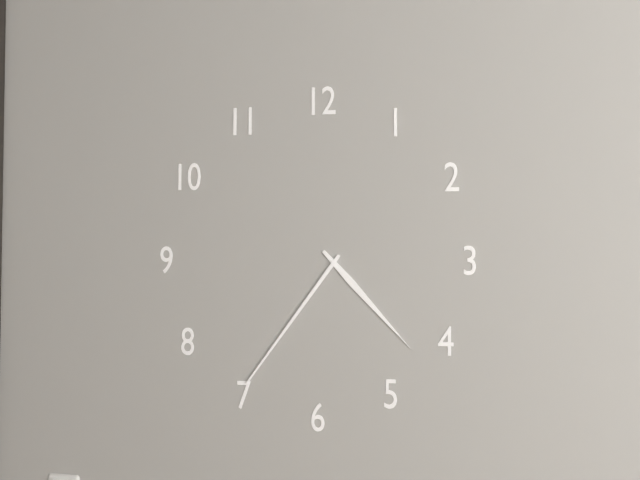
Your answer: 4.36
